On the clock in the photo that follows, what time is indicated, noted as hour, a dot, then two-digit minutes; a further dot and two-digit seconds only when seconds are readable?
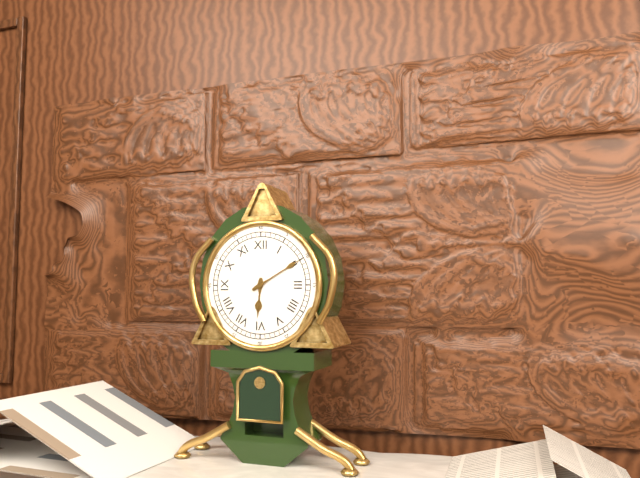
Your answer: 6.10
